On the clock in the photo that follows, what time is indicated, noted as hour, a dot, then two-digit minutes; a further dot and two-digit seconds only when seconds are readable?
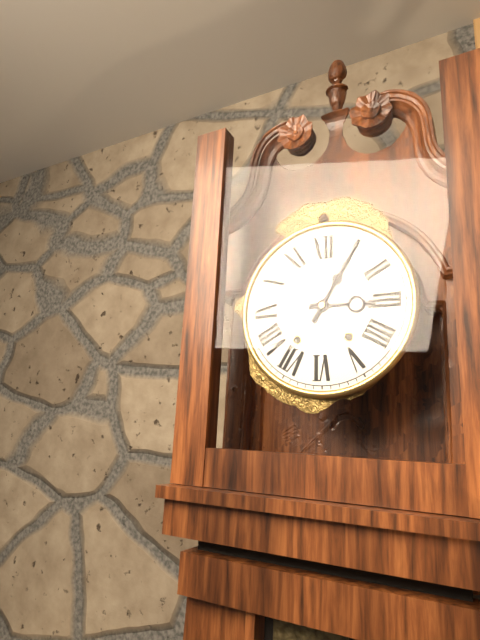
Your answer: 3.05
